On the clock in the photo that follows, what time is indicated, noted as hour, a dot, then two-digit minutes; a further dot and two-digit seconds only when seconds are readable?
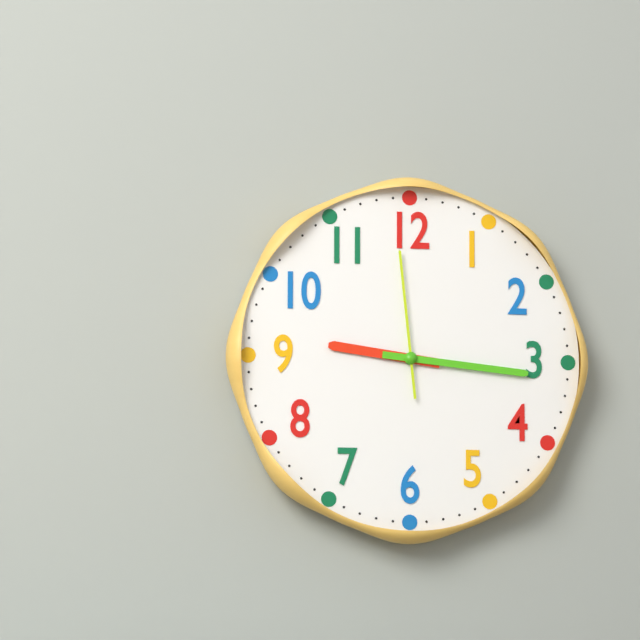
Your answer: 9.16.59
